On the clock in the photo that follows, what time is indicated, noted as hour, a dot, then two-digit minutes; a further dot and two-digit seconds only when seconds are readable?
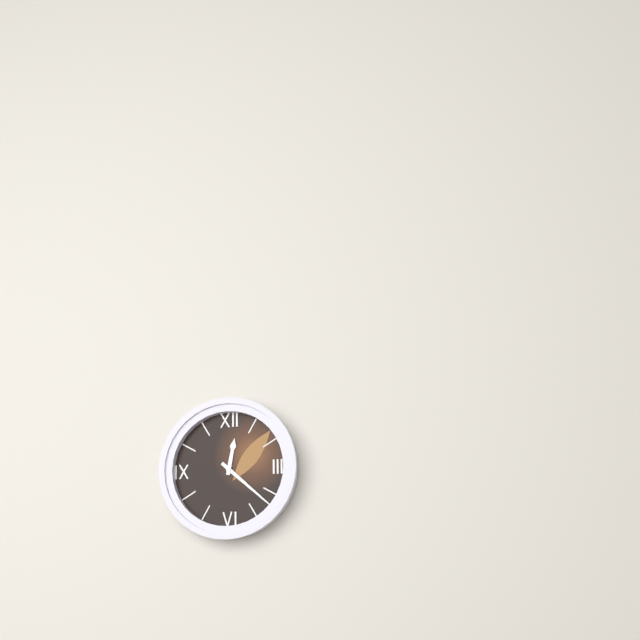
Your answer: 12.22
